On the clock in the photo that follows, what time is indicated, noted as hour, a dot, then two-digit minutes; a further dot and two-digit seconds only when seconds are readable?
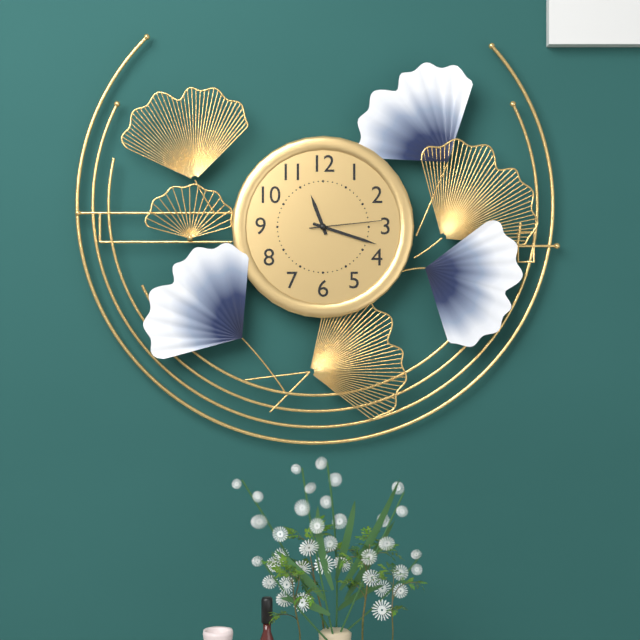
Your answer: 11.18.14
